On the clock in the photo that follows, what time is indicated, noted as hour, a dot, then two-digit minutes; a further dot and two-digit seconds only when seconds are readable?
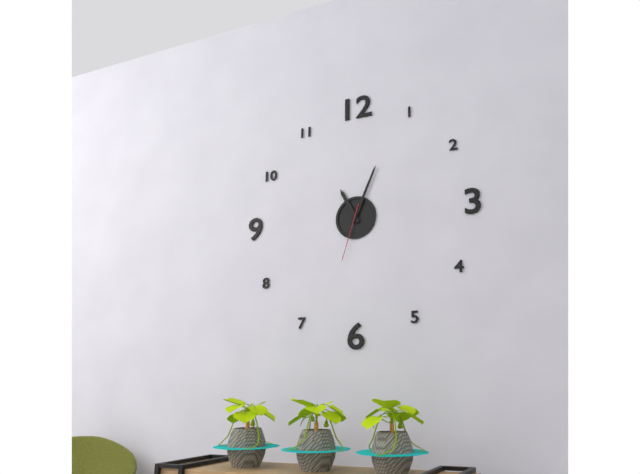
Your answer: 11.04.33
